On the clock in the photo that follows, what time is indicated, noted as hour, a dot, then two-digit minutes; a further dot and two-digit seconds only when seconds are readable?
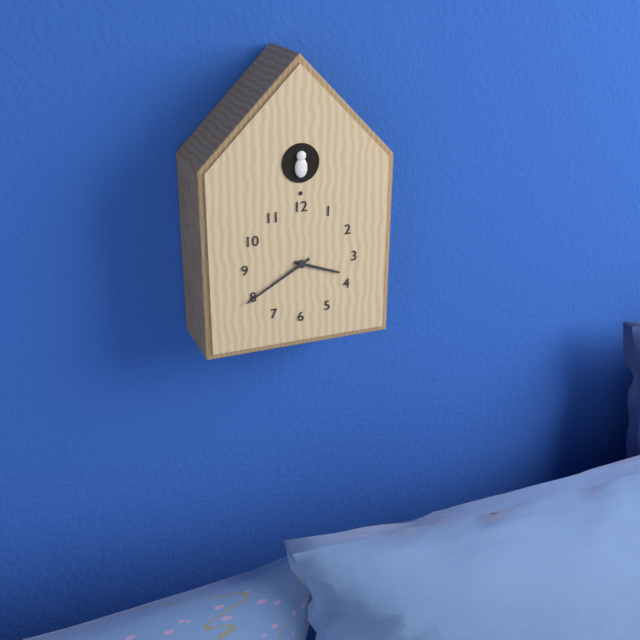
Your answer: 3.40
